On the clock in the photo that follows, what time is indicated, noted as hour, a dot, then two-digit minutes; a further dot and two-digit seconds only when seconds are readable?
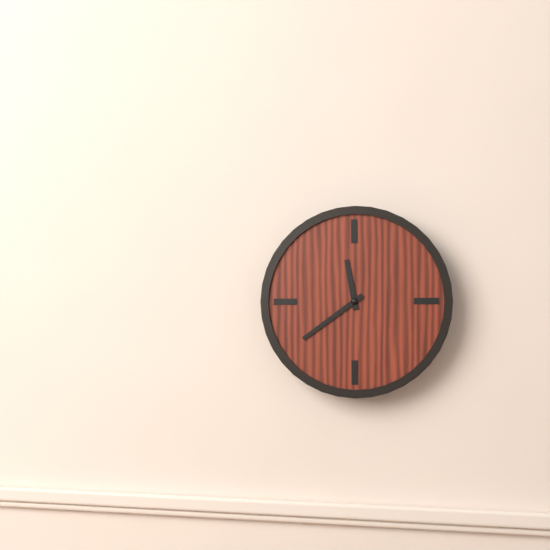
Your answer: 11.39
